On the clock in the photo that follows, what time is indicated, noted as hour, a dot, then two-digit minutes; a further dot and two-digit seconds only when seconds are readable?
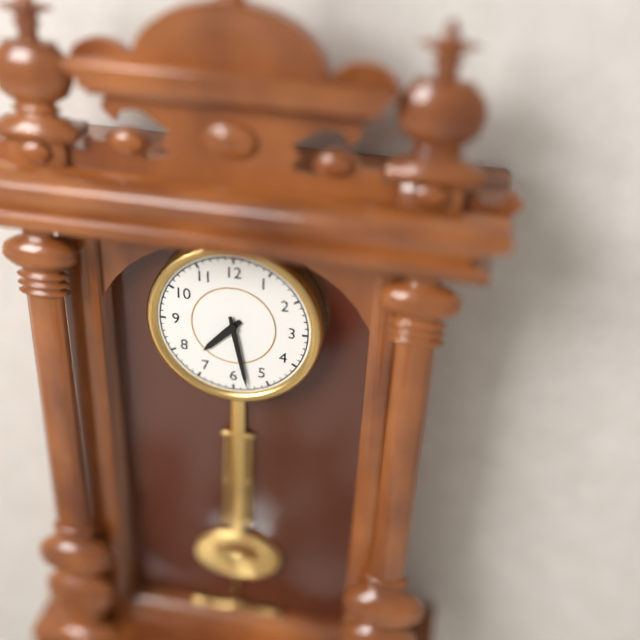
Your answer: 7.28
